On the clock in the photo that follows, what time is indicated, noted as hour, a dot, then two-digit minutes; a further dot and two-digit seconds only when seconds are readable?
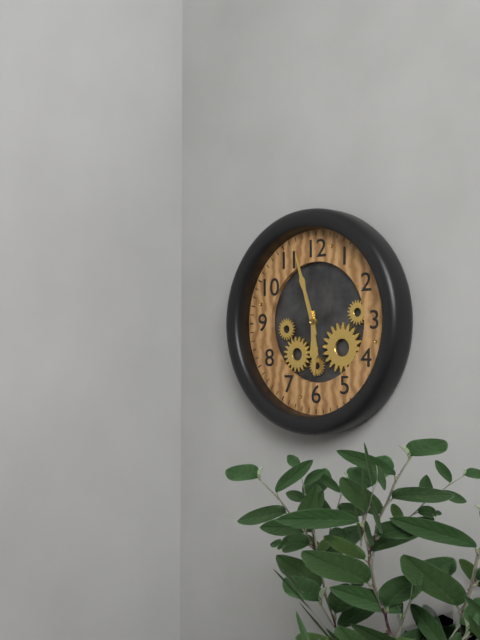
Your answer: 5.57
